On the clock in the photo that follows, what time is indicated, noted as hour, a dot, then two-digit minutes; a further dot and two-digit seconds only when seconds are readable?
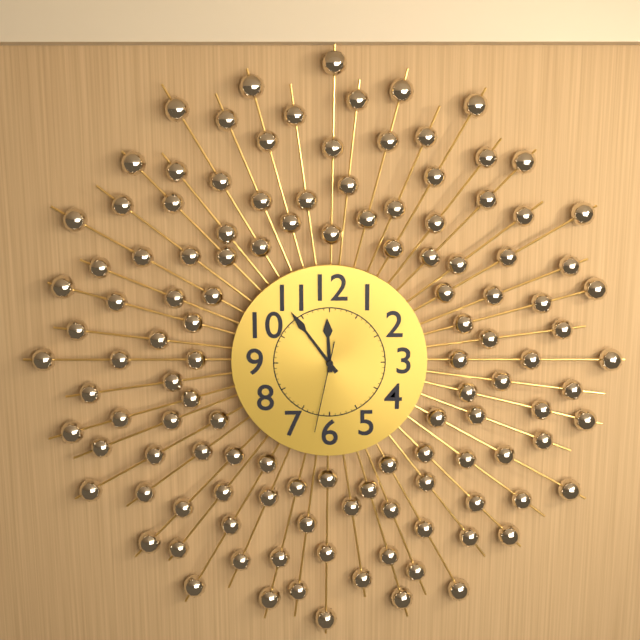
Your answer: 11.54.32
